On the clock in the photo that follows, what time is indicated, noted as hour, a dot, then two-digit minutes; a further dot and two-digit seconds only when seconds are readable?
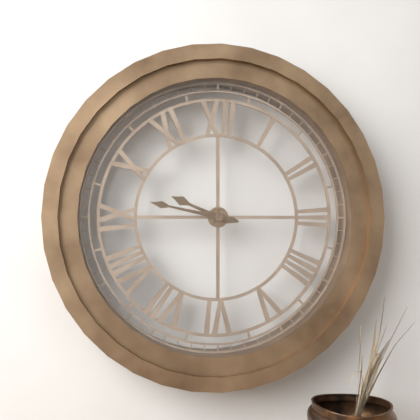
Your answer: 9.47
